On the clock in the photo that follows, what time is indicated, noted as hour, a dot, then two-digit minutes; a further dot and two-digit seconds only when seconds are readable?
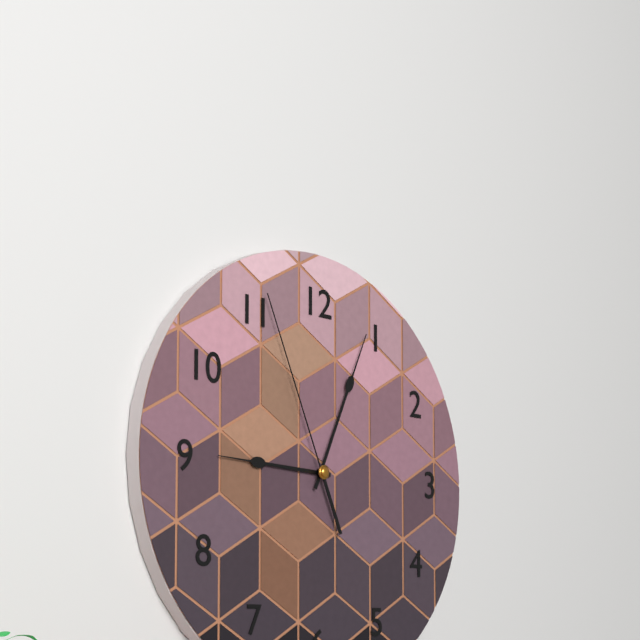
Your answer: 9.04.56
